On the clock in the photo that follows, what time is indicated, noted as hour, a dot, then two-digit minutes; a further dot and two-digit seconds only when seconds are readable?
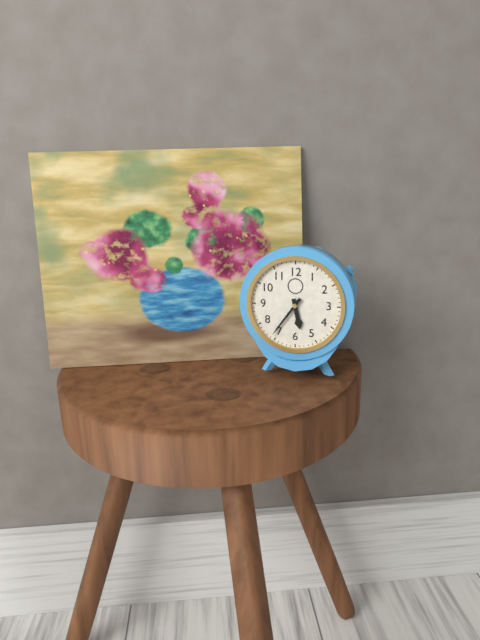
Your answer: 5.36
